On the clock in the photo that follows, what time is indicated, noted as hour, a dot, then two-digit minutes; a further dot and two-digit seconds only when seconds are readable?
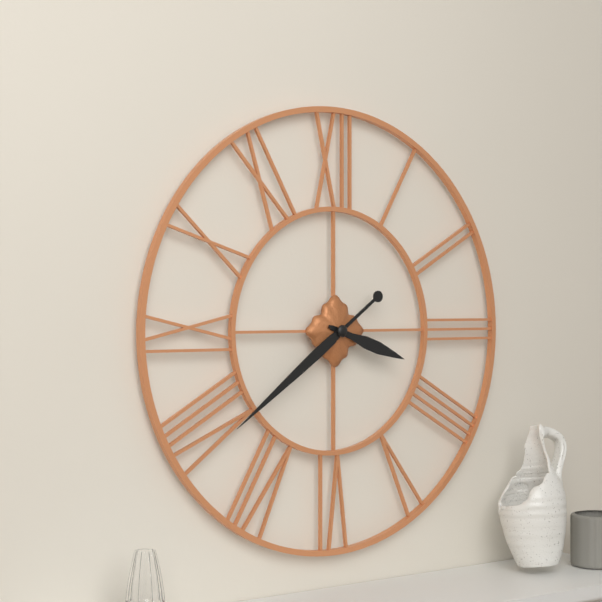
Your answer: 3.39
